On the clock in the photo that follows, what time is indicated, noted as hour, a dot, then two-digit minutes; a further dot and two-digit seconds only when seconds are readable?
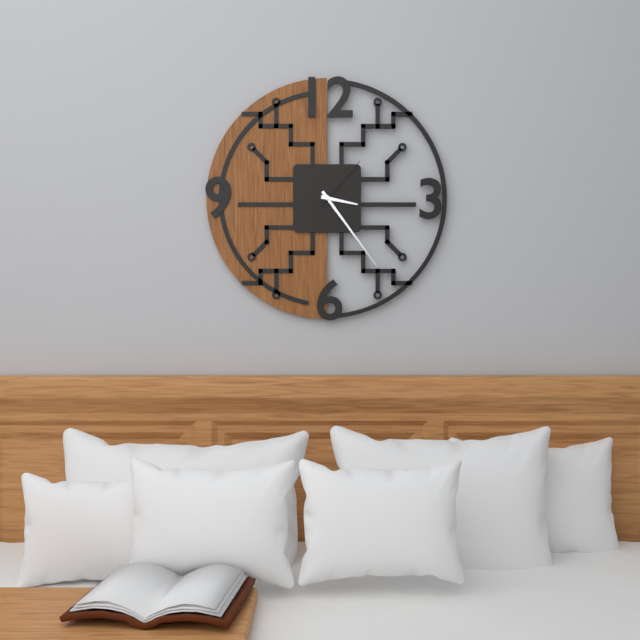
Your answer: 3.24.07
